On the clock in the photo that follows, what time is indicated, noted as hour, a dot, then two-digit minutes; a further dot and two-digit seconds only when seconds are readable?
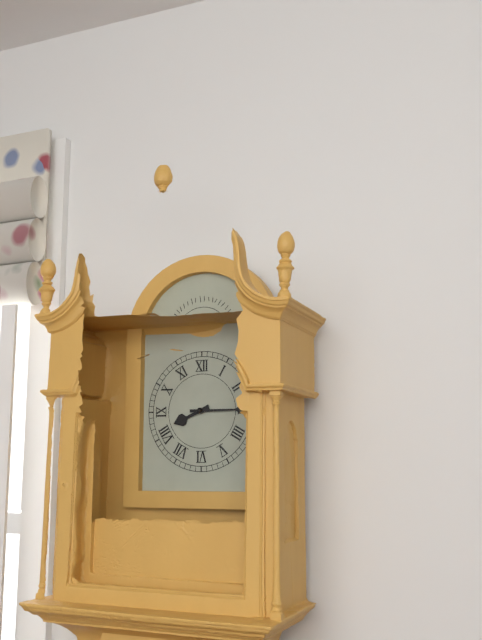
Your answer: 8.15
